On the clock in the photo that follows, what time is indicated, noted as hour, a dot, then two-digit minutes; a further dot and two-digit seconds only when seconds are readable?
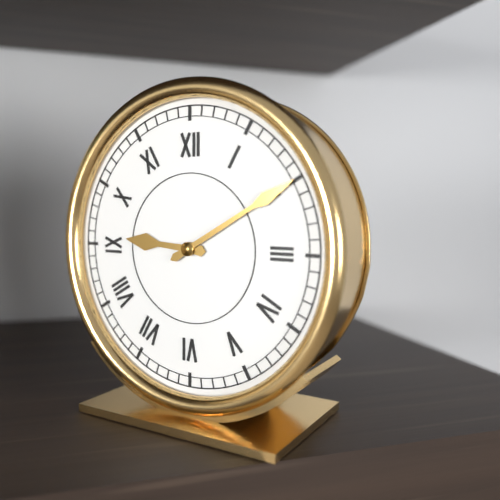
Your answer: 9.10
